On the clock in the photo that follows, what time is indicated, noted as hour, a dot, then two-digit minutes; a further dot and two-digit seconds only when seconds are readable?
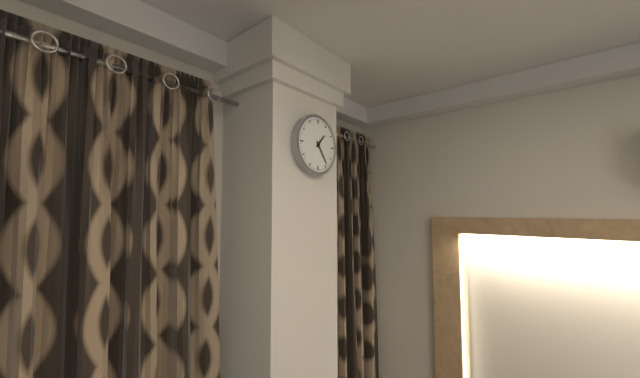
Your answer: 1.24
